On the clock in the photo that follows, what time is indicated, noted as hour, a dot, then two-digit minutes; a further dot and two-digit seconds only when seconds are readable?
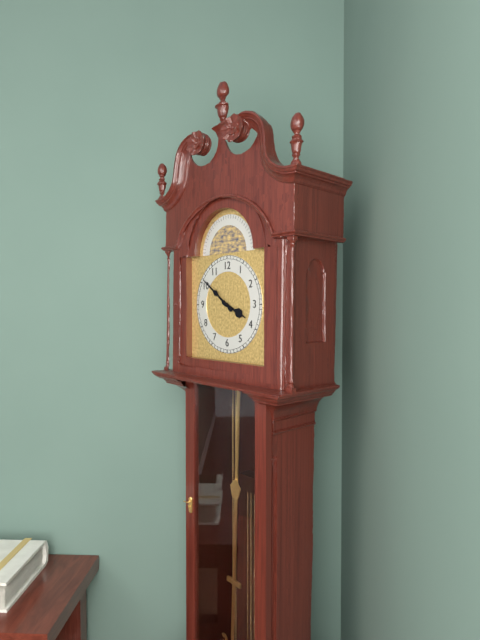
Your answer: 3.51
